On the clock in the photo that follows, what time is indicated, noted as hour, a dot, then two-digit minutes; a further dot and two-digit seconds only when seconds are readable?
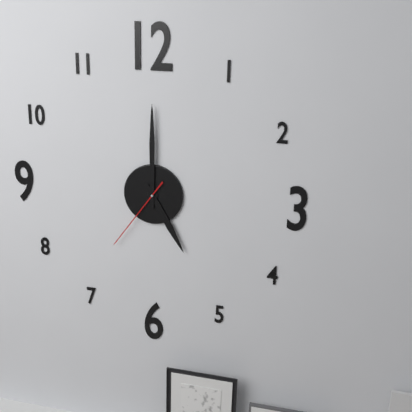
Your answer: 5.00.36
